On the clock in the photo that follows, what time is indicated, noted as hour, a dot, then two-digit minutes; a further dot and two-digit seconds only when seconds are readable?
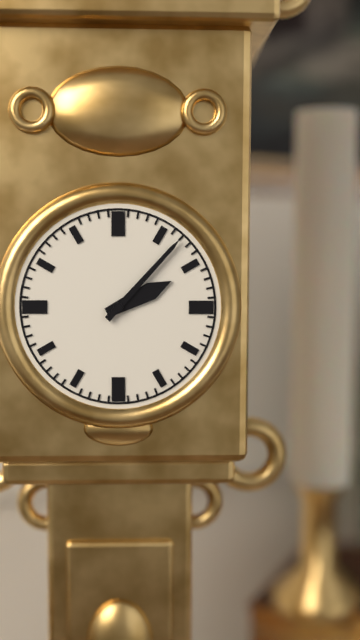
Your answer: 2.07
